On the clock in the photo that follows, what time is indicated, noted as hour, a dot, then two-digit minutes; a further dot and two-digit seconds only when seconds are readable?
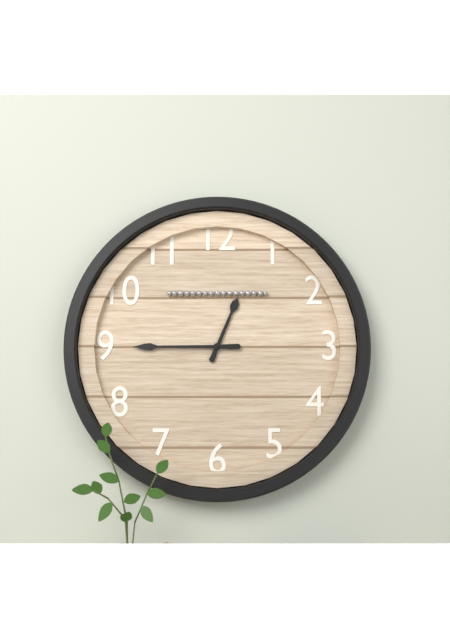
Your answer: 12.45
